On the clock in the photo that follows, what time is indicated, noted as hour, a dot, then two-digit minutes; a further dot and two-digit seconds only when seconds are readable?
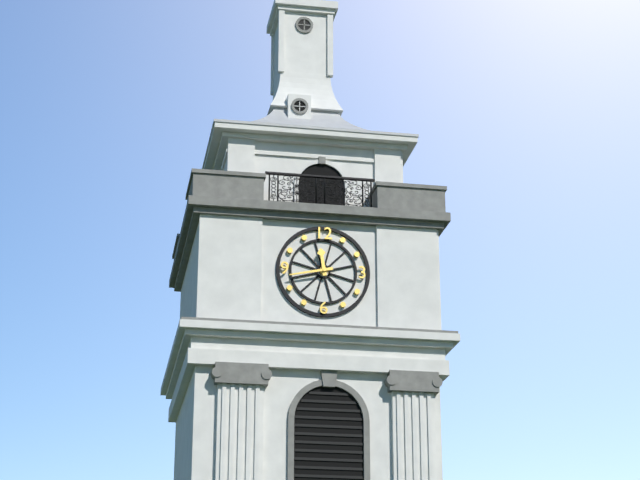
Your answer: 11.43
